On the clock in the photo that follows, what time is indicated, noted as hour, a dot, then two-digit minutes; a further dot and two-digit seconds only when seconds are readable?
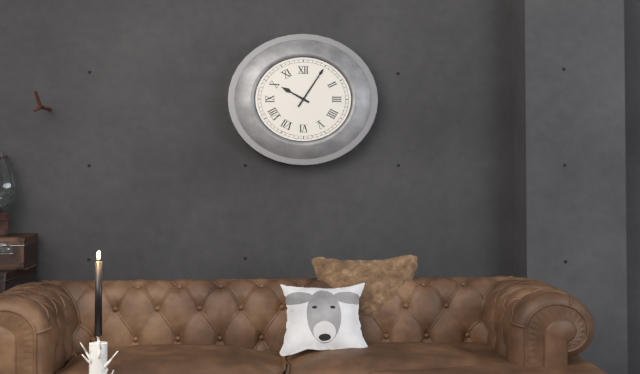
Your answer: 10.05
